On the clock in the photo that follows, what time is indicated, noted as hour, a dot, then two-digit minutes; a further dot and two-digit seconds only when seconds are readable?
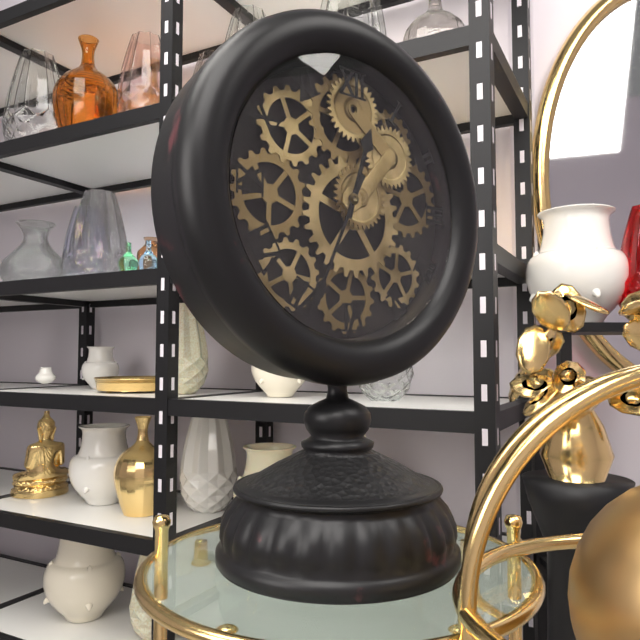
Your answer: 12.34
